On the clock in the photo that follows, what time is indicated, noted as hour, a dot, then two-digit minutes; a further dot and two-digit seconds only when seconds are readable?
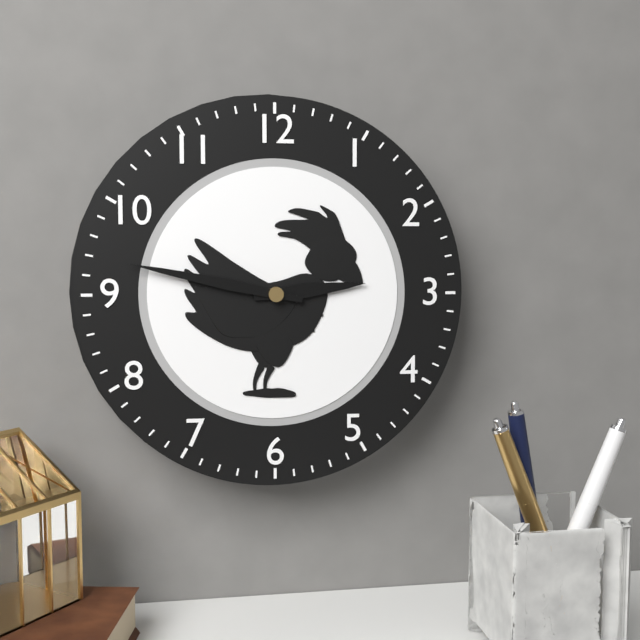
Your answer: 2.47
